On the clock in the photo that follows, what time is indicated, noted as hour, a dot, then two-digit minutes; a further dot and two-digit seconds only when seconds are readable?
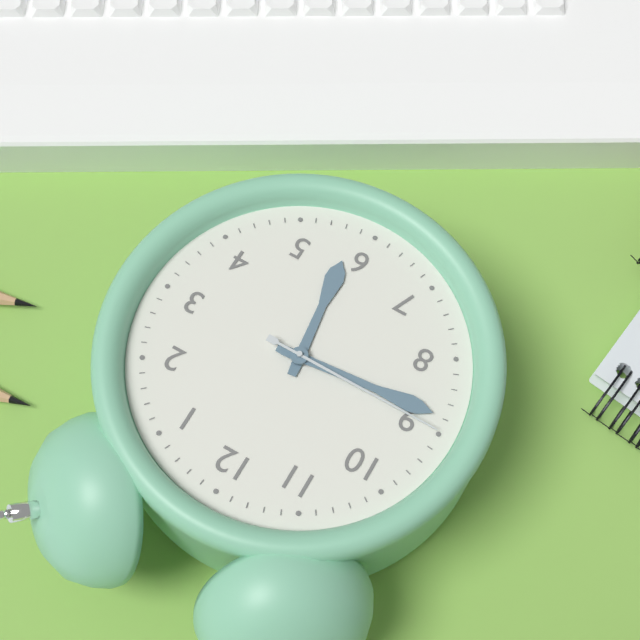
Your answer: 5.44.45
